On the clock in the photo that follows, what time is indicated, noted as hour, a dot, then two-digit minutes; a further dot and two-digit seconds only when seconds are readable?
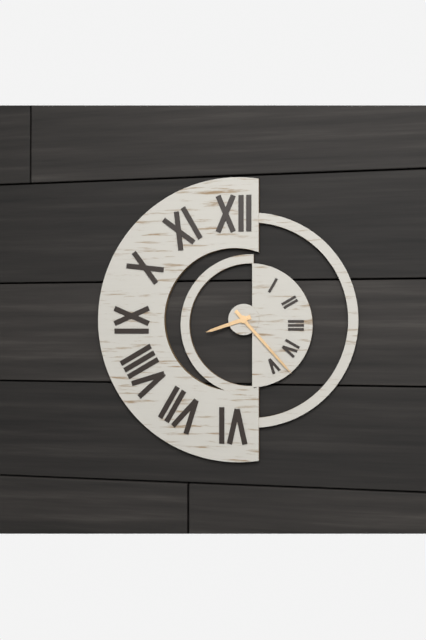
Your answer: 8.23
